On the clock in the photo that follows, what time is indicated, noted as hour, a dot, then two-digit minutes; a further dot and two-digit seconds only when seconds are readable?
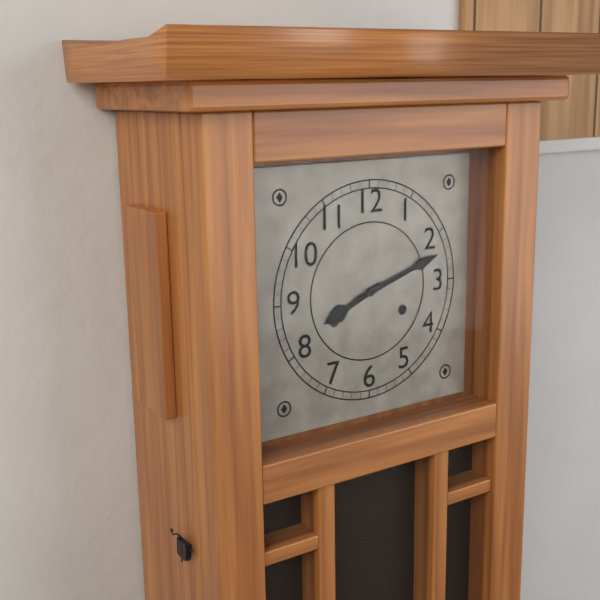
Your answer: 8.12
